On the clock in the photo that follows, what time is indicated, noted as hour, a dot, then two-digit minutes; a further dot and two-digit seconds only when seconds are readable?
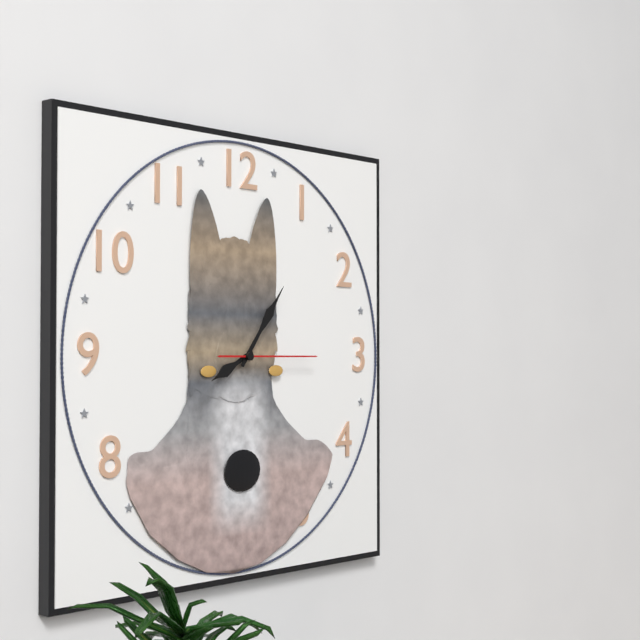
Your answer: 8.06.15
